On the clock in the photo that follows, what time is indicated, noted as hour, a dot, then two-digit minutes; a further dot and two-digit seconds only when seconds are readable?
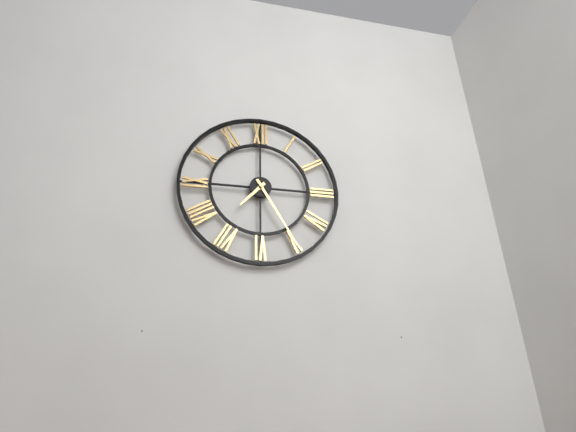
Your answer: 7.25
